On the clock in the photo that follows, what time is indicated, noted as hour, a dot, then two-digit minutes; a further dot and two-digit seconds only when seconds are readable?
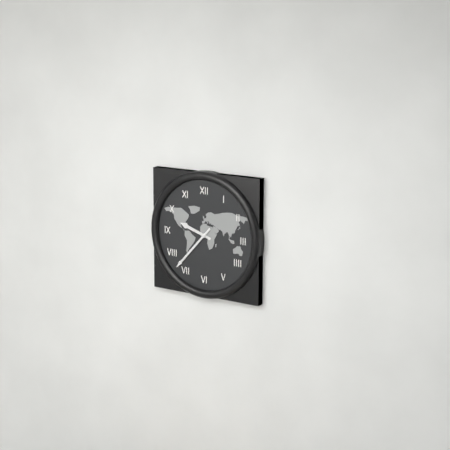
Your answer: 9.37
